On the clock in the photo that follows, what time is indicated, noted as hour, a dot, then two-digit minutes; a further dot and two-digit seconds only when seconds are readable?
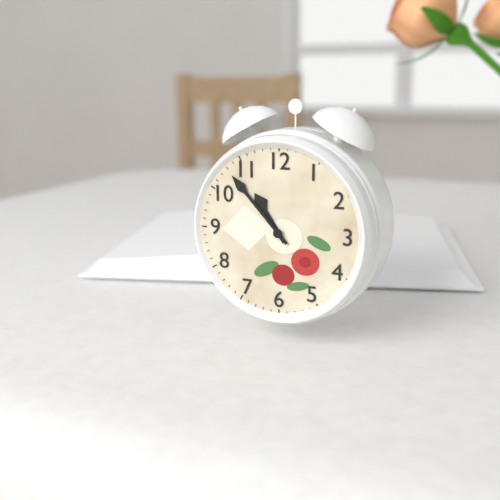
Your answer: 10.53
